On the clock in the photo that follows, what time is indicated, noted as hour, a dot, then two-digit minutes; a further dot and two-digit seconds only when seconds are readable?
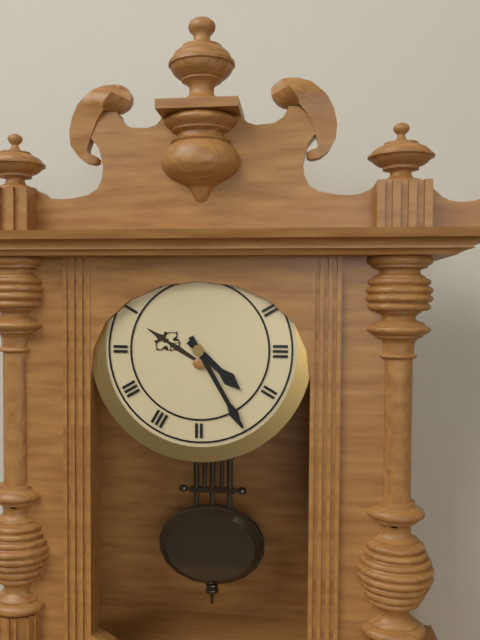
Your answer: 4.25
